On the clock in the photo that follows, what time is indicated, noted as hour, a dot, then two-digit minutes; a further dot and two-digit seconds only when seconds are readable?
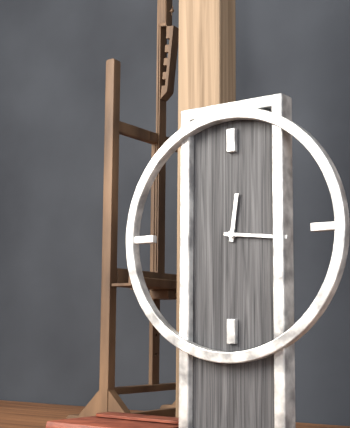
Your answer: 12.16
